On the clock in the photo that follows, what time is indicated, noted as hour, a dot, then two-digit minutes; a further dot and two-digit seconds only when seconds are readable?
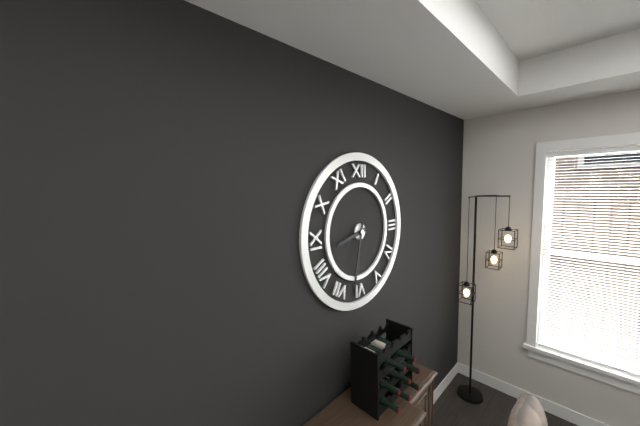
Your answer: 8.32
